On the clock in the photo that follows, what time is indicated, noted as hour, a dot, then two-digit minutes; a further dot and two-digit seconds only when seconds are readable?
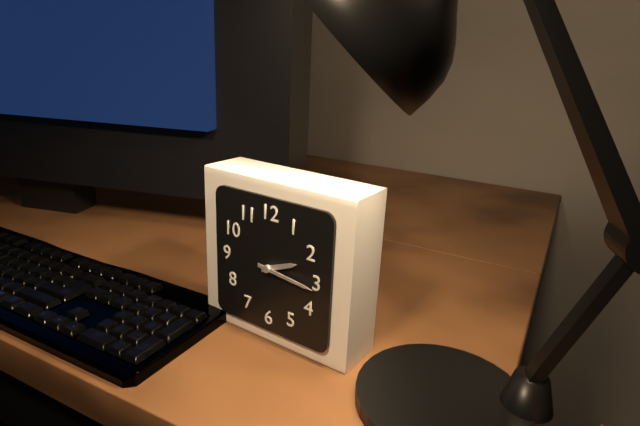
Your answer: 2.16
